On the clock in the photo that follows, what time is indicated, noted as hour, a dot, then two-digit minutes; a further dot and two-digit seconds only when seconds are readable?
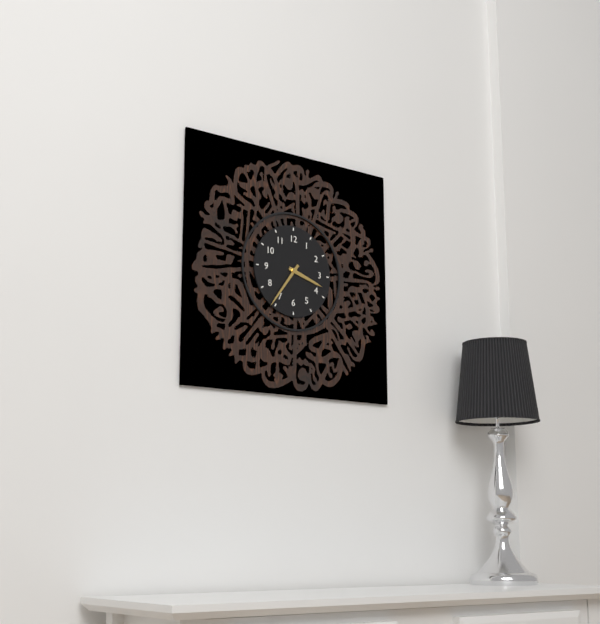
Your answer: 3.36
